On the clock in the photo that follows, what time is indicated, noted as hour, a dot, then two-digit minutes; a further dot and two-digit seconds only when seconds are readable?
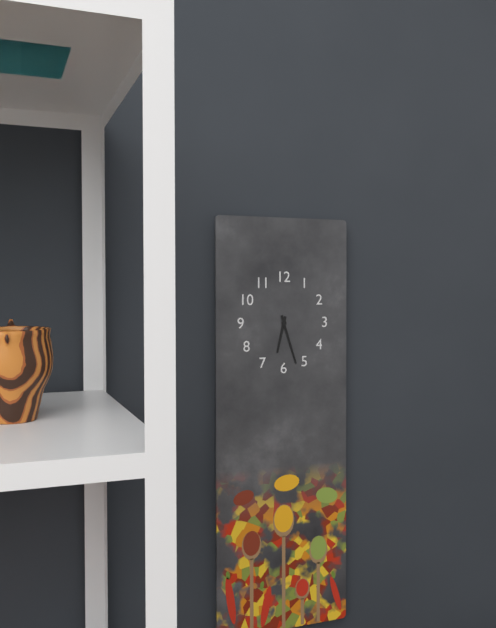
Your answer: 6.27
